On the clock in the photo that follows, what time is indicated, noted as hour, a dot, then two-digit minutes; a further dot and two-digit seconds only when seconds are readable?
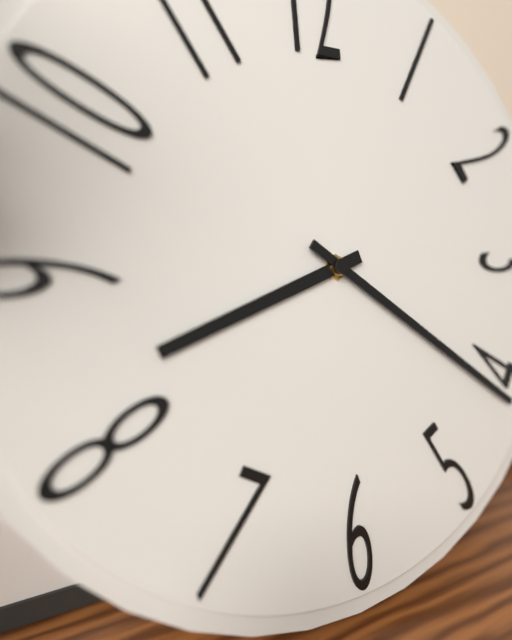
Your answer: 8.21
